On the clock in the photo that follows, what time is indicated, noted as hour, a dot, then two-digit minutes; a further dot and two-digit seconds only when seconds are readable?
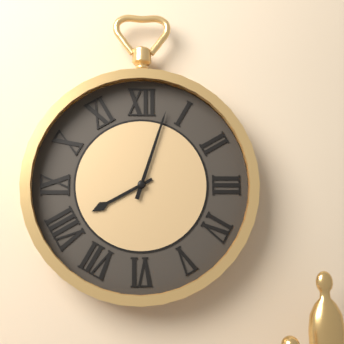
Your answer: 8.03
